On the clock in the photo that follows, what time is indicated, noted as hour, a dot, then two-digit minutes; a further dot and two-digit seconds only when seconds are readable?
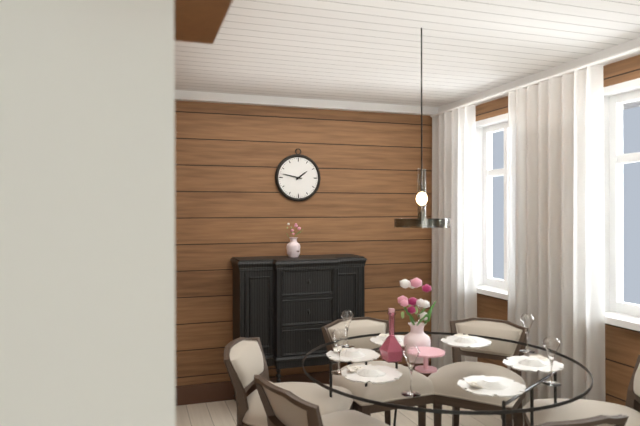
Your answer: 1.47
